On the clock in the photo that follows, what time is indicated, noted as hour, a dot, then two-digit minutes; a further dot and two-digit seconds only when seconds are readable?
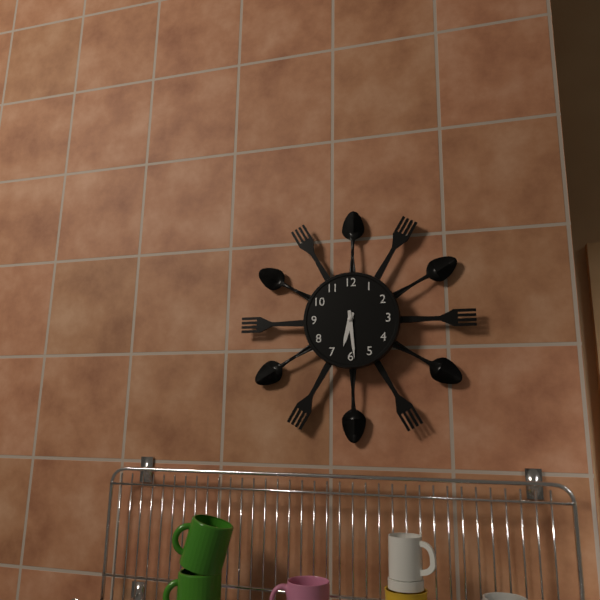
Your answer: 6.29
